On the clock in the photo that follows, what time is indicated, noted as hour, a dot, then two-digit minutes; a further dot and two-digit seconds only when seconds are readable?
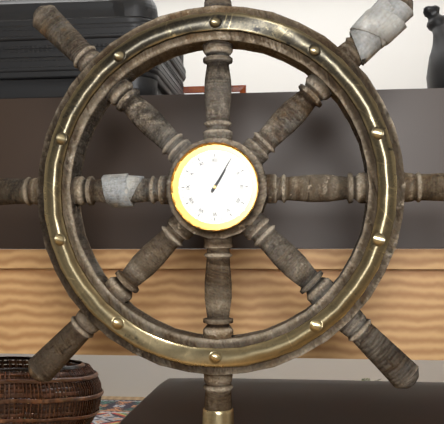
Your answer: 1.05
